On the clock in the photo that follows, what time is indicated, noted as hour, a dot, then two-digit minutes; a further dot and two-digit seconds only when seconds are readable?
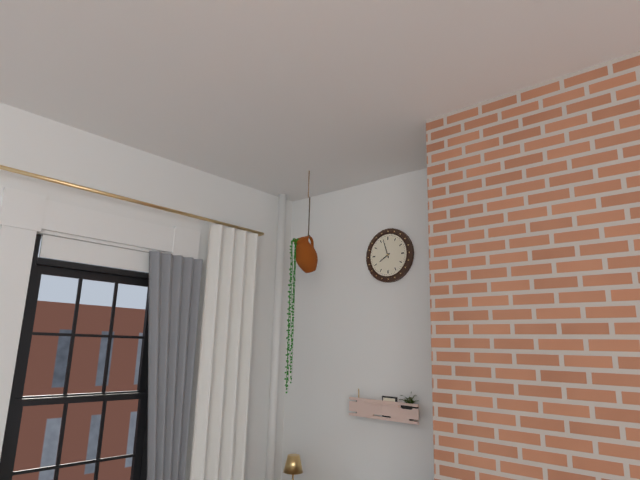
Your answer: 7.57
